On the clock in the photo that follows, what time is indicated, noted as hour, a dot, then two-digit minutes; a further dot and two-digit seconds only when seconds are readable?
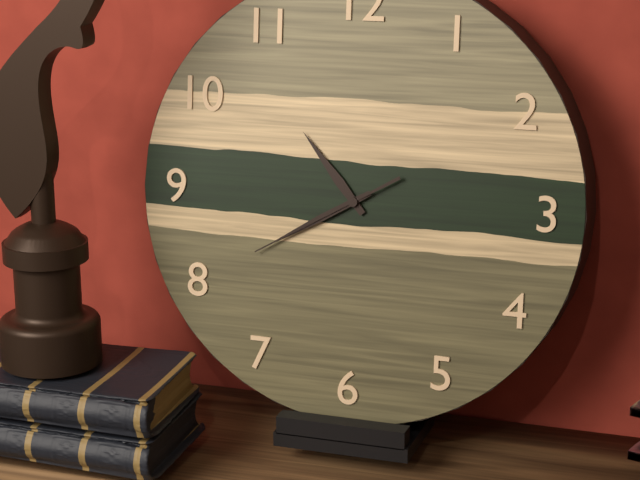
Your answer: 10.40.40
